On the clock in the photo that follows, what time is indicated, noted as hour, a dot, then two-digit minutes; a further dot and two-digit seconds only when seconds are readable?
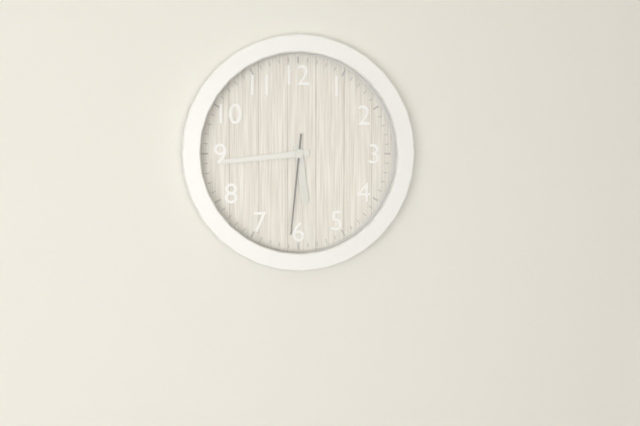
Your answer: 5.44.31
